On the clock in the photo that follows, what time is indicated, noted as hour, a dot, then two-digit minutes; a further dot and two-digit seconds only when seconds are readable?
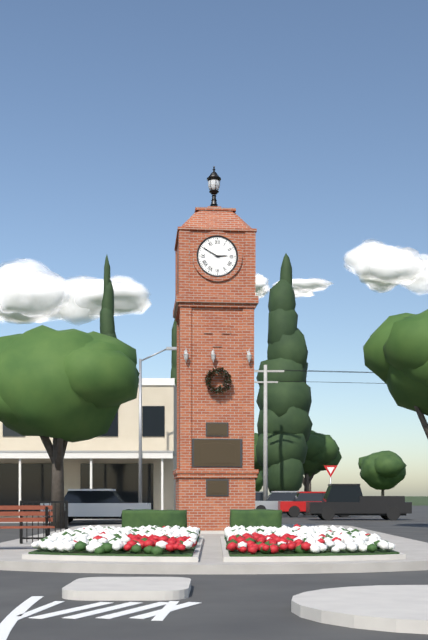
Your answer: 2.50
